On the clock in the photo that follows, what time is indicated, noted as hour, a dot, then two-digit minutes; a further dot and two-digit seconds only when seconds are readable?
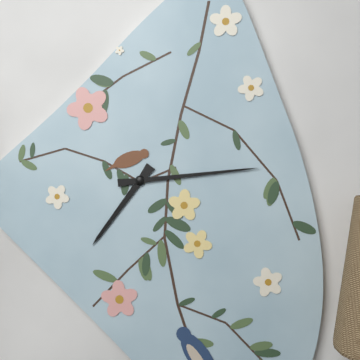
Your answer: 7.14
